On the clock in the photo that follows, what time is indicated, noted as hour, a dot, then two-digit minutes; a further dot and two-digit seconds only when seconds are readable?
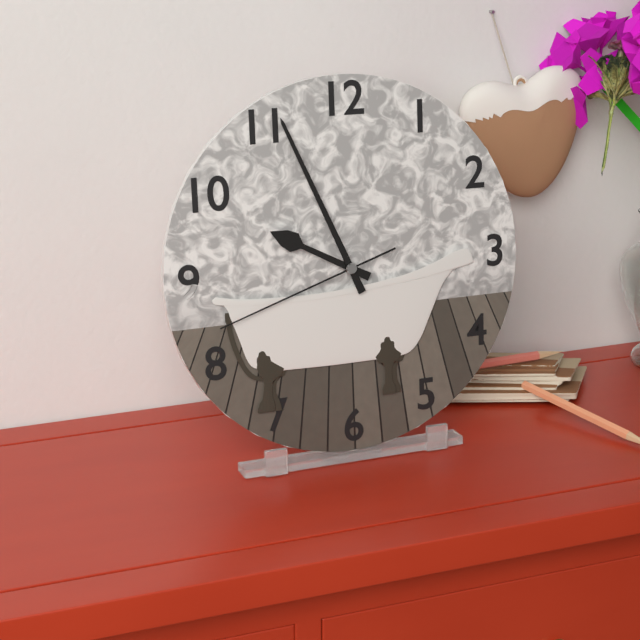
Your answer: 9.56.42
